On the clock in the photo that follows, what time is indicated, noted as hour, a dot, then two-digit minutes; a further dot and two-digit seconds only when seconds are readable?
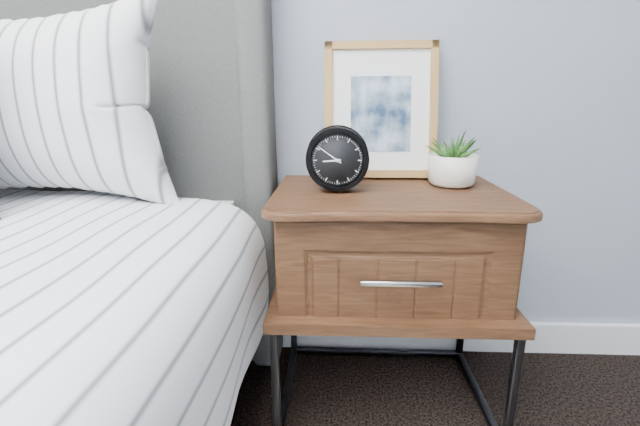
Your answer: 8.51
